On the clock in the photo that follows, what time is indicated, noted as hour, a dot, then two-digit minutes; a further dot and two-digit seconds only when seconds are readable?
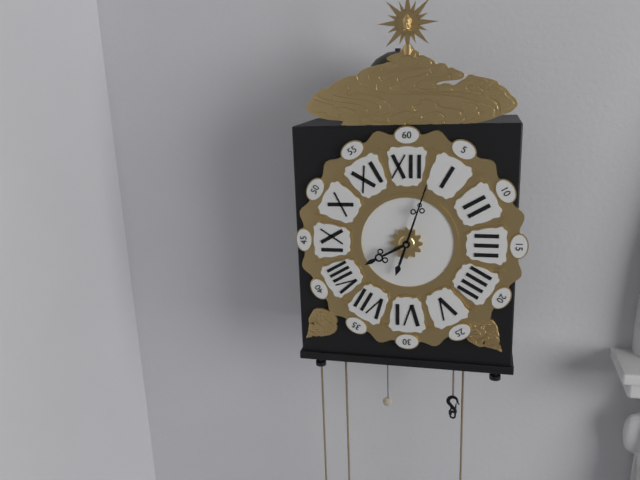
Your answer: 8.03
